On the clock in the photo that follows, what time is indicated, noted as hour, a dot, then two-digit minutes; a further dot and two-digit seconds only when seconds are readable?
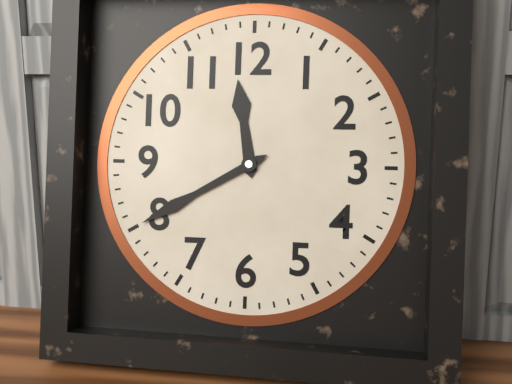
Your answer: 11.40
